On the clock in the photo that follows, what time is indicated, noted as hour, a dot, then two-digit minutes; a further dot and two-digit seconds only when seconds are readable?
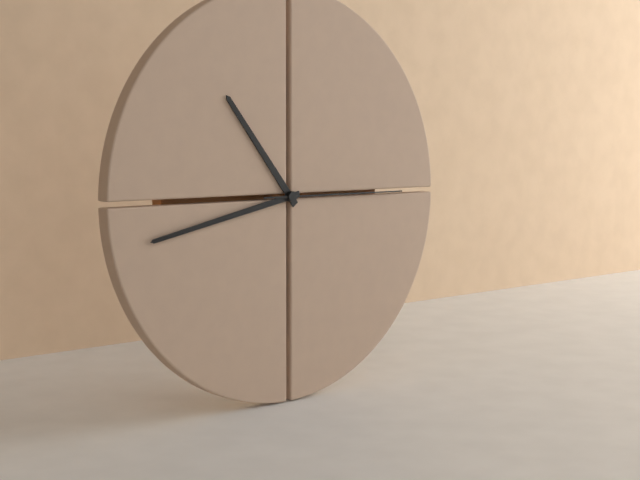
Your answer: 10.43.15
